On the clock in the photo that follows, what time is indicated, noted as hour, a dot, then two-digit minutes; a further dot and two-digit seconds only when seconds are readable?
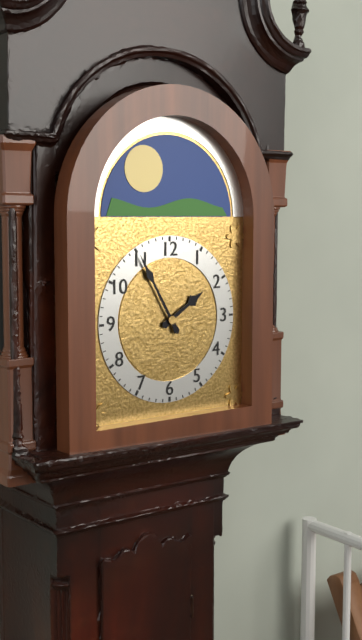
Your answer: 1.55
